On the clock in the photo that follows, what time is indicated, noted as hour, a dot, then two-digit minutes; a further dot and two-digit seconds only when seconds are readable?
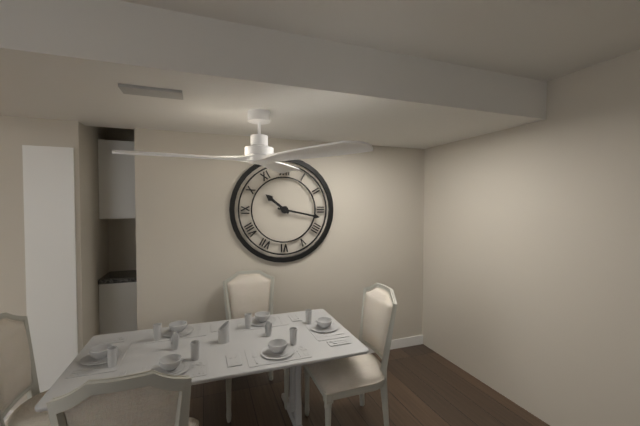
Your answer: 10.17
